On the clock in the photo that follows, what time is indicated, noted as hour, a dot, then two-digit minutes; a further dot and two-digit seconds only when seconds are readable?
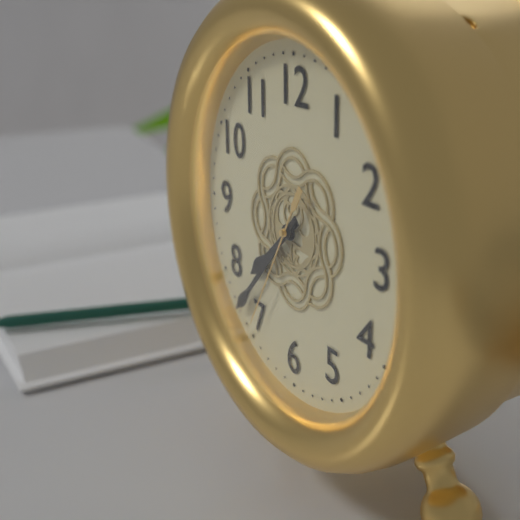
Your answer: 7.37.35
